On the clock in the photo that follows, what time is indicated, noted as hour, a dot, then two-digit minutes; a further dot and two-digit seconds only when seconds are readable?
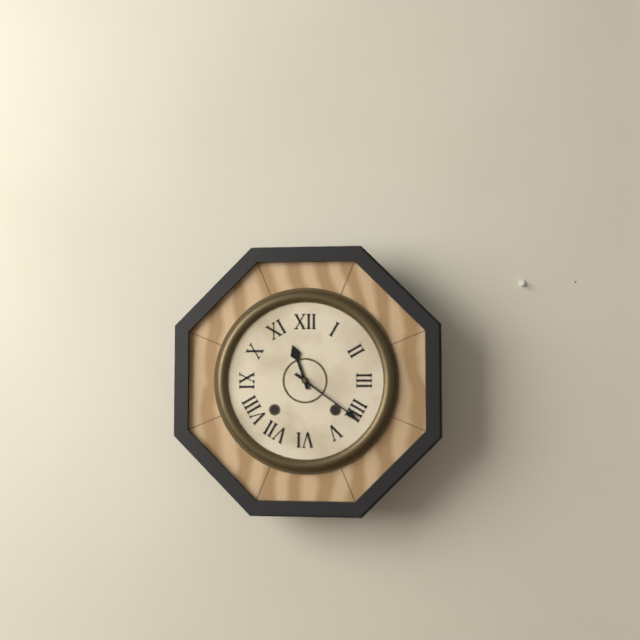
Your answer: 11.21
